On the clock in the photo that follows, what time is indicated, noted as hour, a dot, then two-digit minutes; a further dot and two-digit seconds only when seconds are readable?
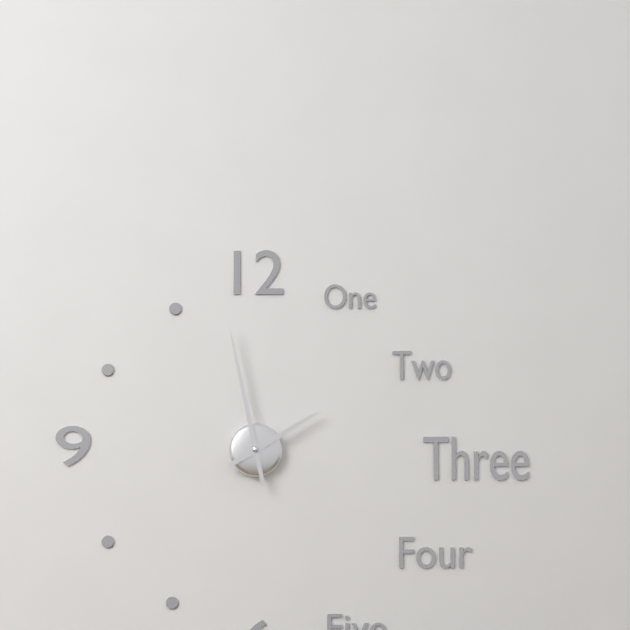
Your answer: 1.58
